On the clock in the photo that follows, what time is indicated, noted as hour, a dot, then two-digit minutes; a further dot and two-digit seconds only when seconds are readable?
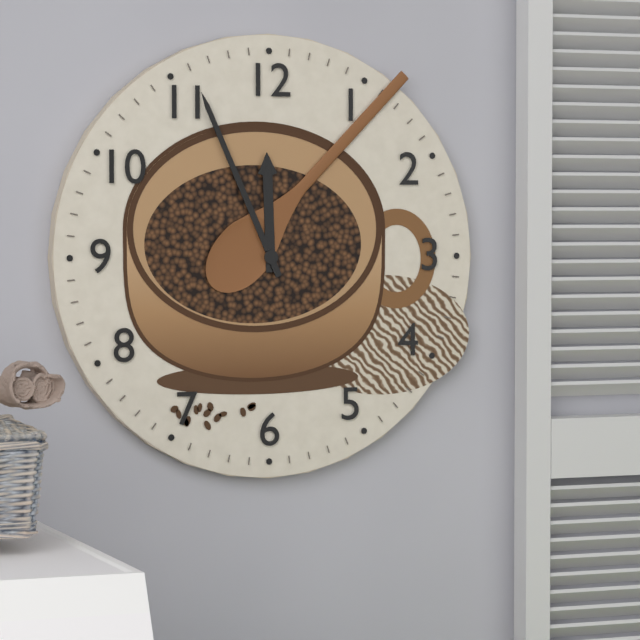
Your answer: 11.56
